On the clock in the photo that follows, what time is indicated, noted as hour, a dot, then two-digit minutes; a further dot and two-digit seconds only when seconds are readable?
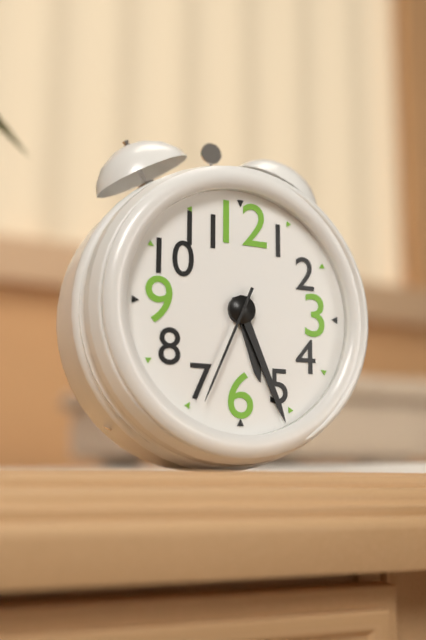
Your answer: 5.26.34
